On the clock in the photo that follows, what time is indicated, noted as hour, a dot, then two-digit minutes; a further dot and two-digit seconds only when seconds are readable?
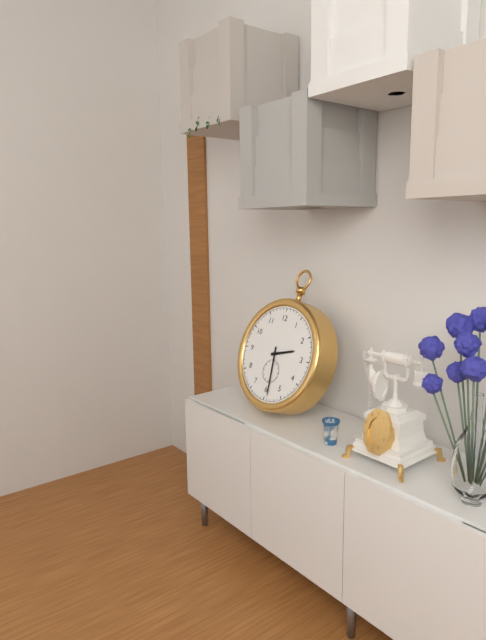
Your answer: 2.29
